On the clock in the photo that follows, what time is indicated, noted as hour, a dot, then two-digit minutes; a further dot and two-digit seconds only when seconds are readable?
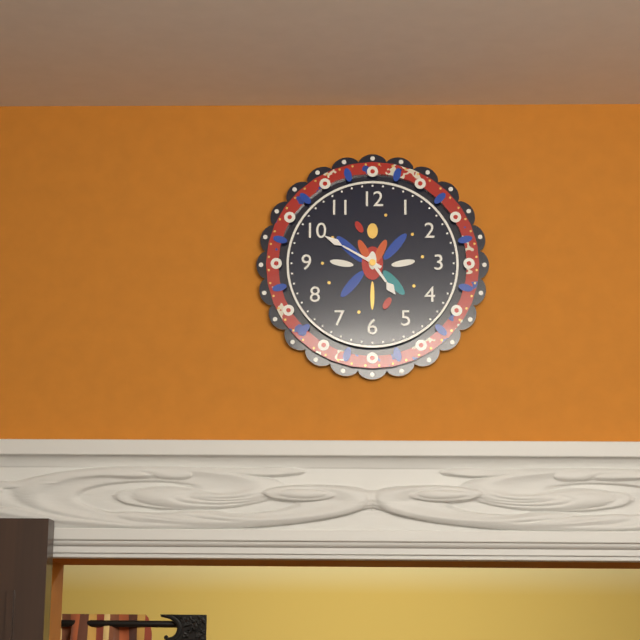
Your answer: 4.50
